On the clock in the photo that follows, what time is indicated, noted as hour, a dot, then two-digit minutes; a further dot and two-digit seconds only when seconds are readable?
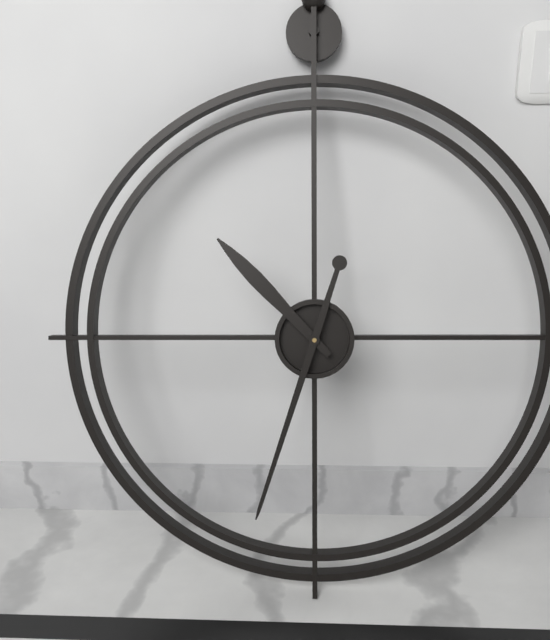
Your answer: 10.33
